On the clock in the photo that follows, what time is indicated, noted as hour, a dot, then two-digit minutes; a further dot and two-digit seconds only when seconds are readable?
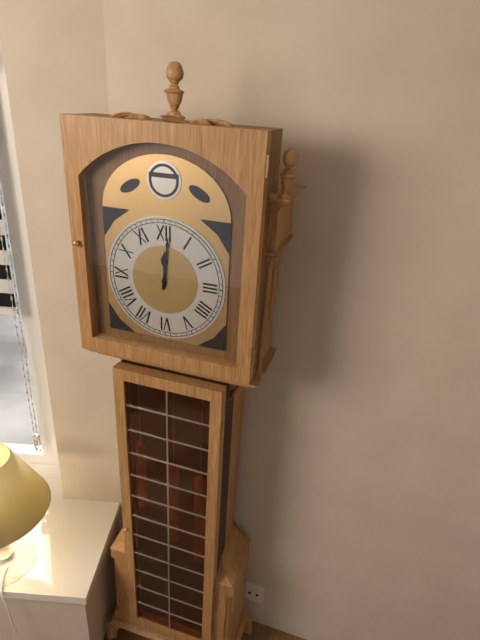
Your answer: 12.01
